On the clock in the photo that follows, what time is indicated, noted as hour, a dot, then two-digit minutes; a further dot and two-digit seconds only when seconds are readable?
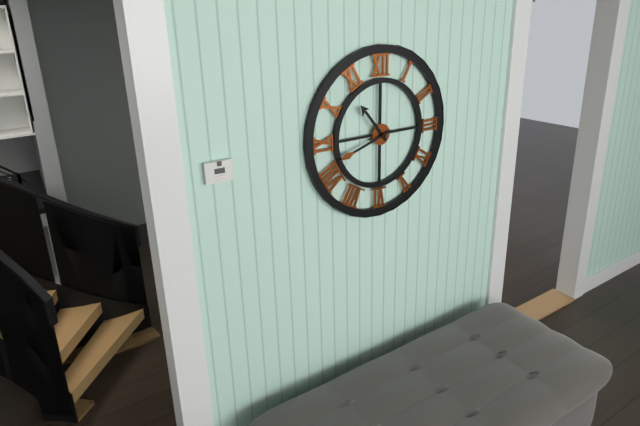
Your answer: 10.42
